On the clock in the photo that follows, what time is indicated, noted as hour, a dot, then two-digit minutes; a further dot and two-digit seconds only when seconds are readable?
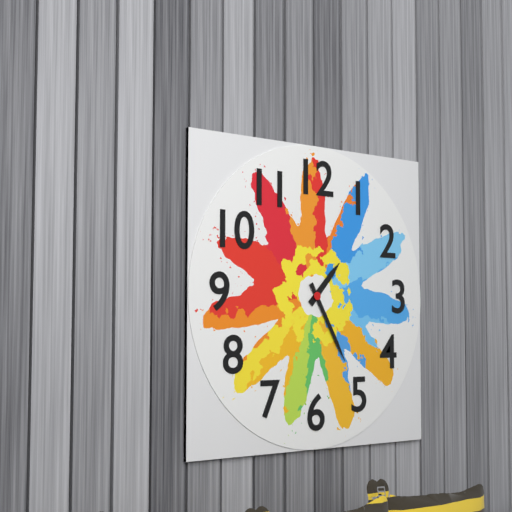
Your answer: 1.25
